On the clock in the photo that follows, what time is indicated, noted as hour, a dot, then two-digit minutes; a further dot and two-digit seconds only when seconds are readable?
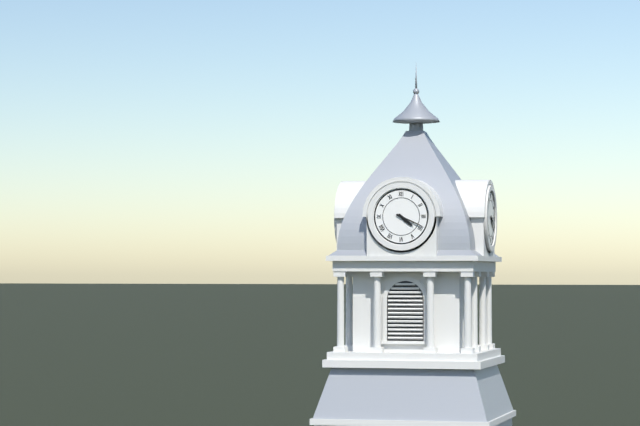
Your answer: 4.19
